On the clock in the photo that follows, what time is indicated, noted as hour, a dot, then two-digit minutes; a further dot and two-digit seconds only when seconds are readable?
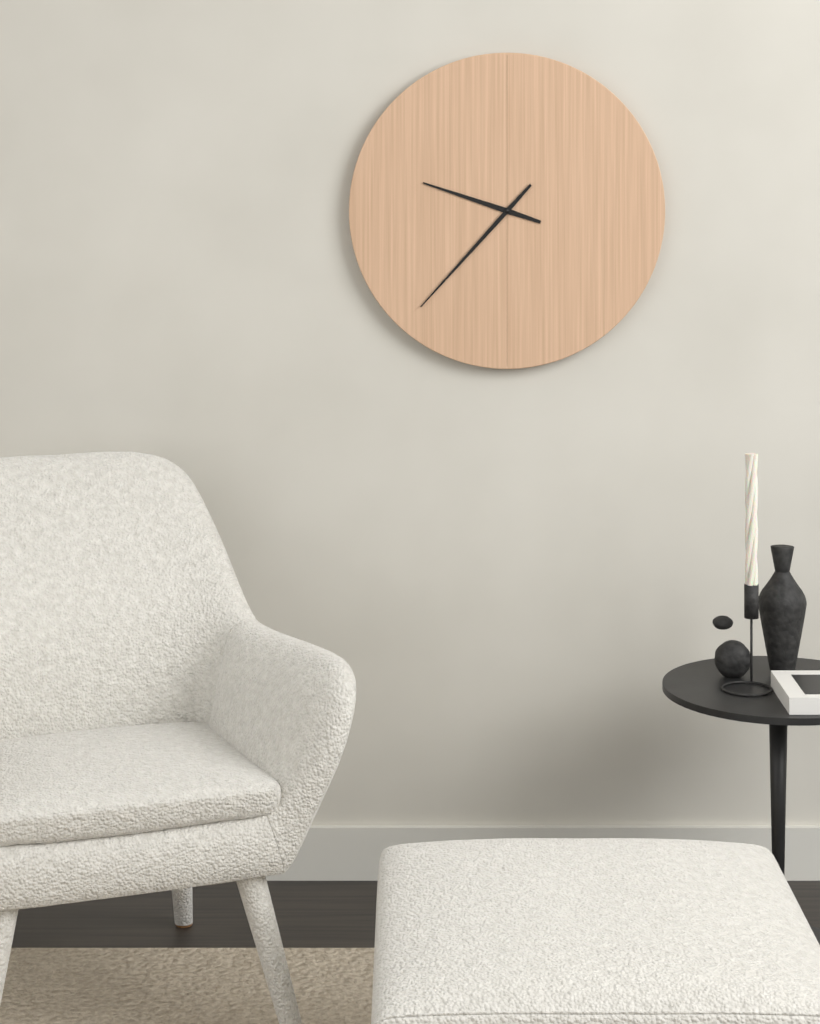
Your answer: 9.37
